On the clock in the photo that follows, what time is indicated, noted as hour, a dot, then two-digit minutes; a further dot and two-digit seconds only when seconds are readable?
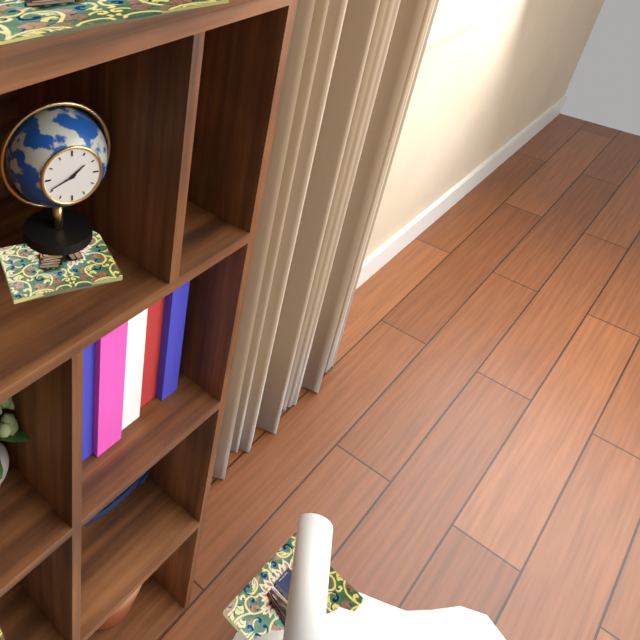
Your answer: 1.41
